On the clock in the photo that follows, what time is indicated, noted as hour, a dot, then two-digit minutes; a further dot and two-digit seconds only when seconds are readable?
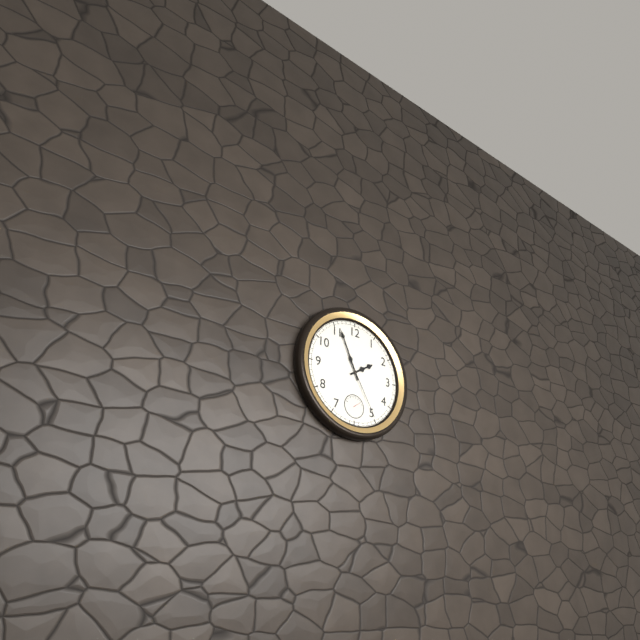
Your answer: 1.56.25
